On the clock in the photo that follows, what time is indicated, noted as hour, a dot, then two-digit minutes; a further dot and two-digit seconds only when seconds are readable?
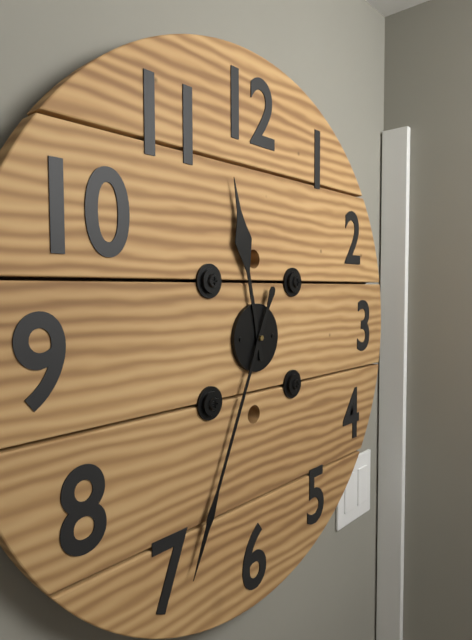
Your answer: 11.34
